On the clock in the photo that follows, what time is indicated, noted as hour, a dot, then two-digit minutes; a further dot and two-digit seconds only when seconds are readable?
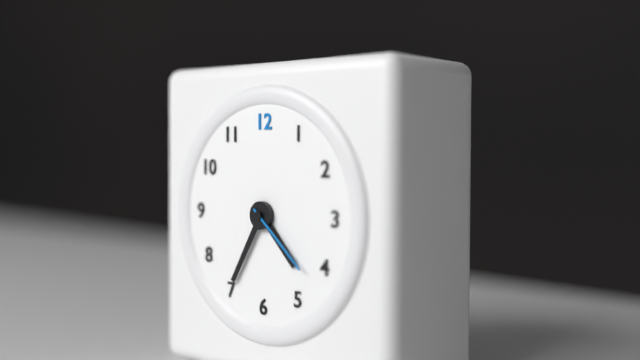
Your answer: 4.35.22
